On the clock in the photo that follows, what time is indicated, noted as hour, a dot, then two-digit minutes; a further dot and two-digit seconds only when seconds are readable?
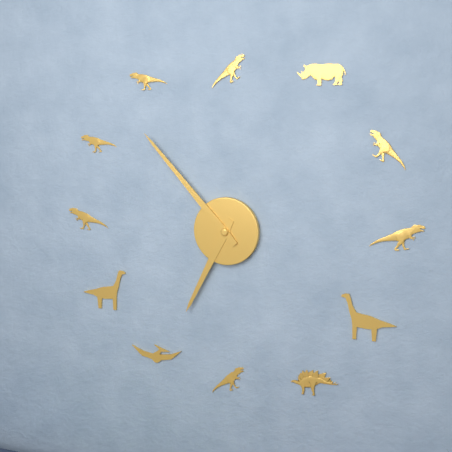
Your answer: 6.53
